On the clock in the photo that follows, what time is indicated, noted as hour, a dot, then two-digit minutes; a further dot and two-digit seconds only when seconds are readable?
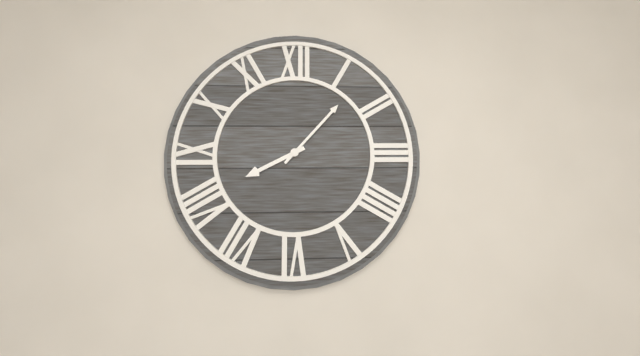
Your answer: 8.07
